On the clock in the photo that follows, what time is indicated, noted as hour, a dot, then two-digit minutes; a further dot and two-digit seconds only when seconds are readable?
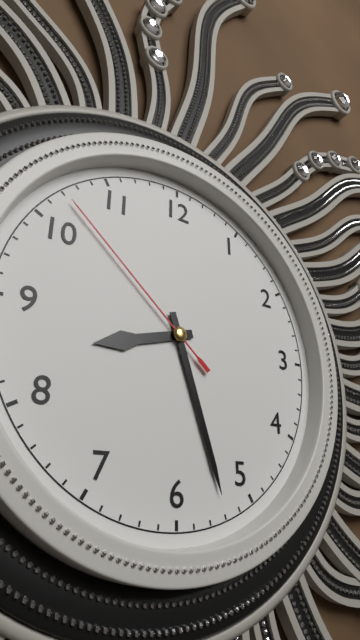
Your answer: 8.27.52
